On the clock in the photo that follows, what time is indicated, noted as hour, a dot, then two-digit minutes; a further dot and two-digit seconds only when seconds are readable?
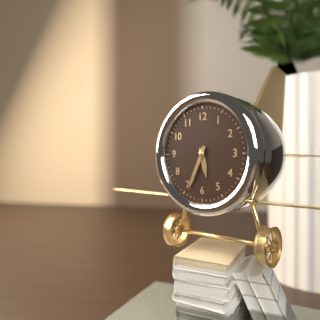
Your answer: 5.34
